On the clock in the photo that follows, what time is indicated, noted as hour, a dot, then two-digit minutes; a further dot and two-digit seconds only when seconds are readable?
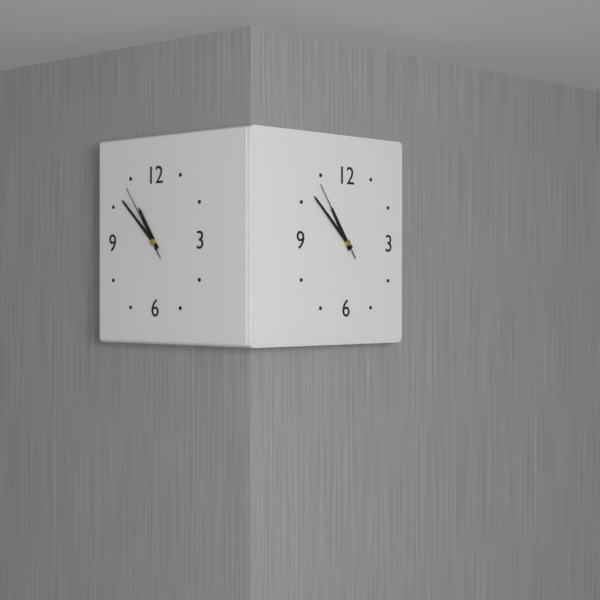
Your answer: 10.52.54
